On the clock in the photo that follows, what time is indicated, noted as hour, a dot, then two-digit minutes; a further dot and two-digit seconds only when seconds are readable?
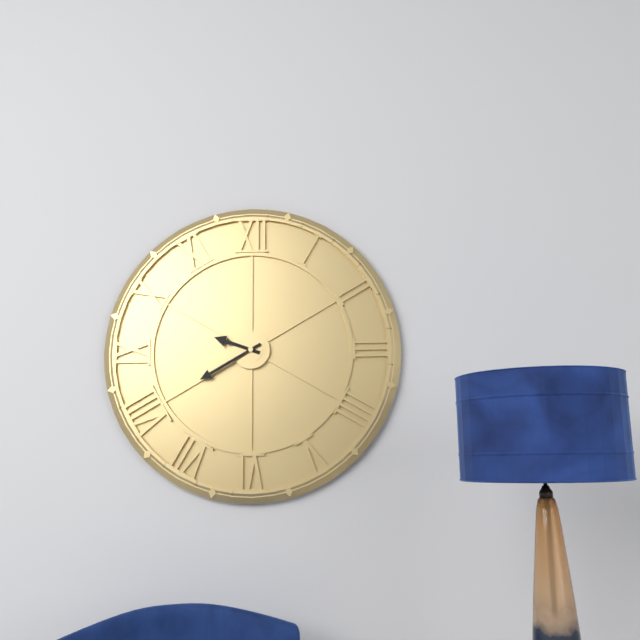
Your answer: 9.40
